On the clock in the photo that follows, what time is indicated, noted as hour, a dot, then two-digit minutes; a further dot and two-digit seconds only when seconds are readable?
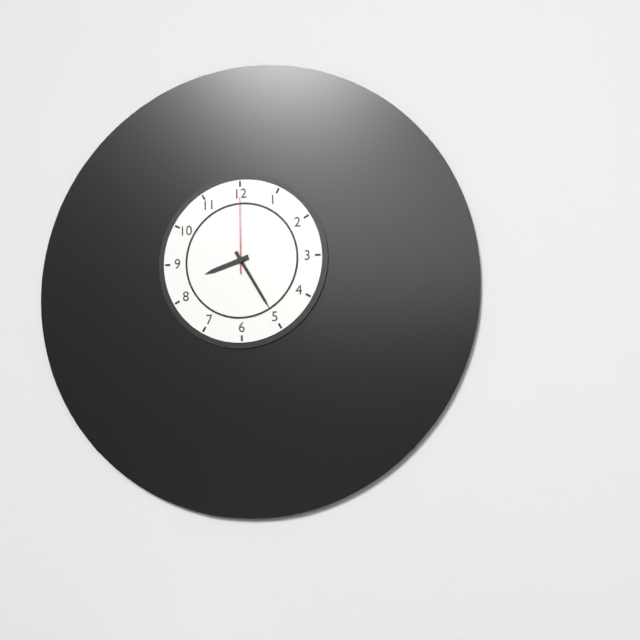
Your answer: 8.25.00
